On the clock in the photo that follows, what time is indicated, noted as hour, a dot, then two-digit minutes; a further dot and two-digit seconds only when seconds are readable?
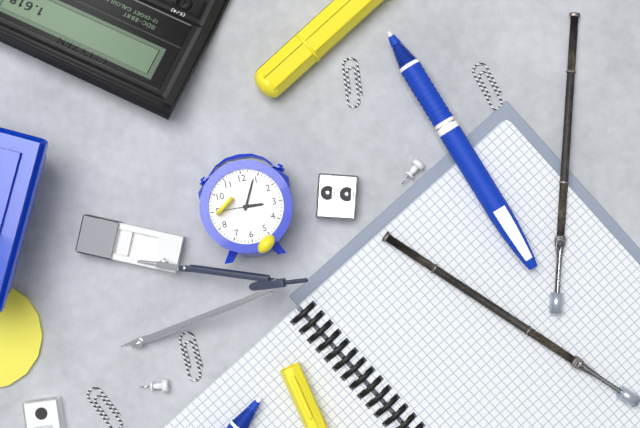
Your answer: 3.04
